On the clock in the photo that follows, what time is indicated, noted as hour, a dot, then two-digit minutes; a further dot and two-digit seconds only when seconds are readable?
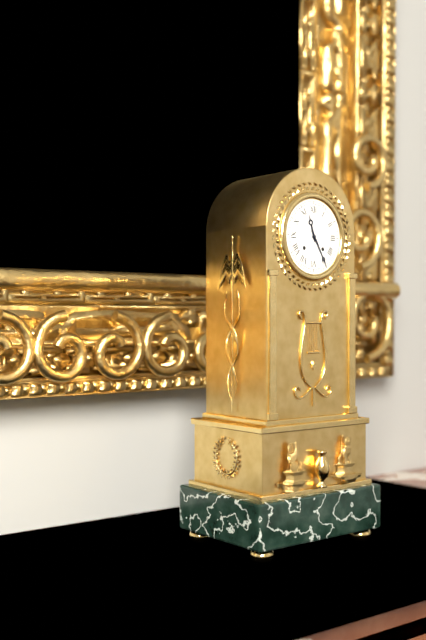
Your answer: 11.25
